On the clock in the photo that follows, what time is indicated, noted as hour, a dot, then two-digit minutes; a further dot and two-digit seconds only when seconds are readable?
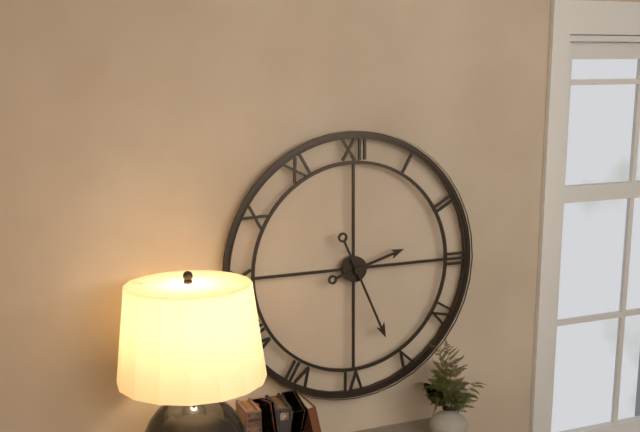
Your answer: 2.26
